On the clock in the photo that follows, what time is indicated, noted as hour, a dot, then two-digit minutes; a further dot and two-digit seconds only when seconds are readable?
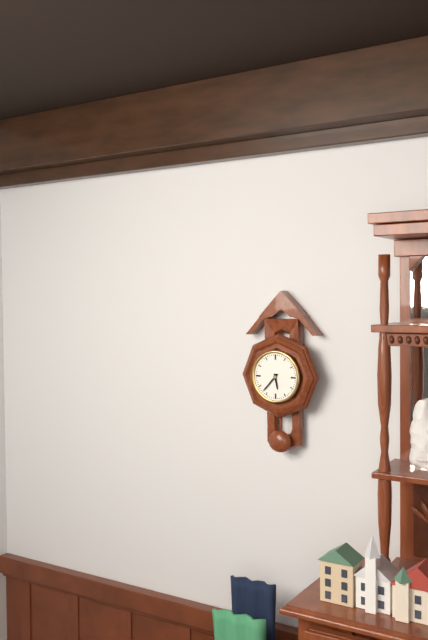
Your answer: 5.37
